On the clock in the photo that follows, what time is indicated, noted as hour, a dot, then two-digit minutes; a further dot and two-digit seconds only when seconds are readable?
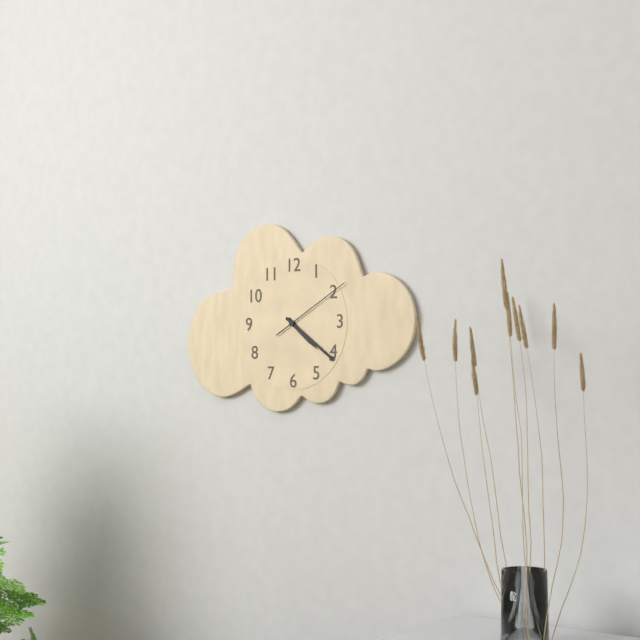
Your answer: 4.21.10
